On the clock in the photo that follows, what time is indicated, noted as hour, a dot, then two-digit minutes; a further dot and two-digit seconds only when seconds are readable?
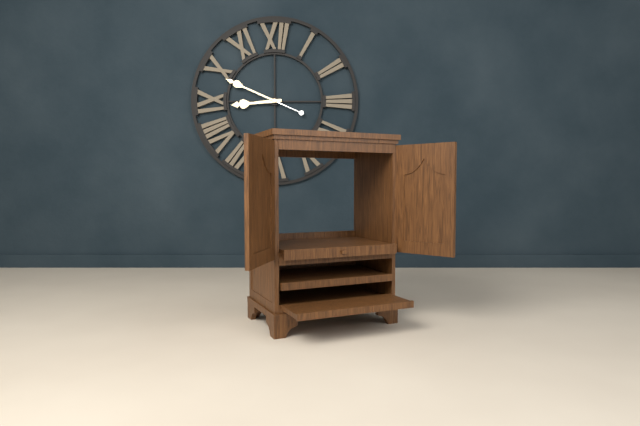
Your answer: 8.49
